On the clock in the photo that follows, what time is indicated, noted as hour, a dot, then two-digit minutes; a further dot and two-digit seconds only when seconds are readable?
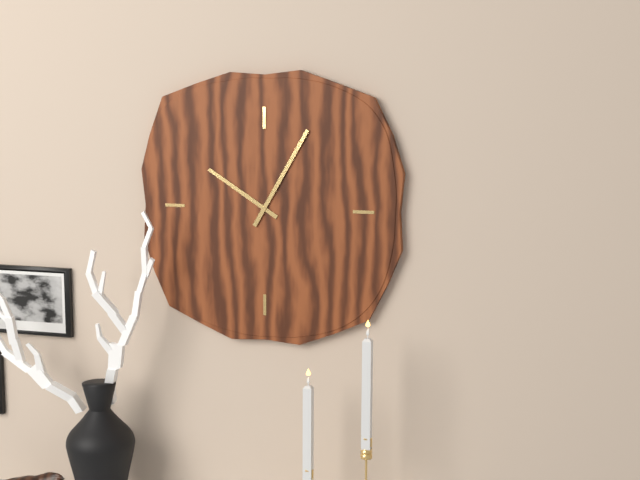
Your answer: 10.05
